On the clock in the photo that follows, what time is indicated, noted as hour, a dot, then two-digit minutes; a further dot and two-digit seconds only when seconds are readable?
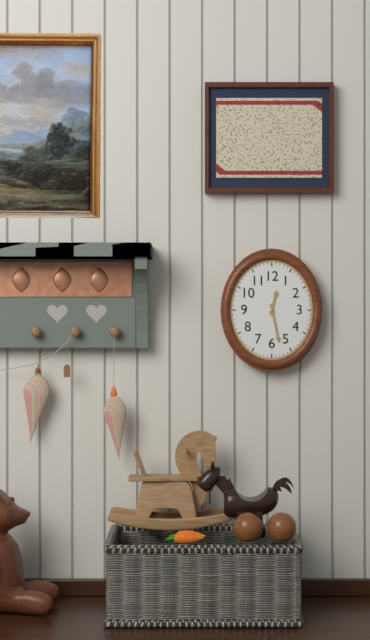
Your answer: 12.28
